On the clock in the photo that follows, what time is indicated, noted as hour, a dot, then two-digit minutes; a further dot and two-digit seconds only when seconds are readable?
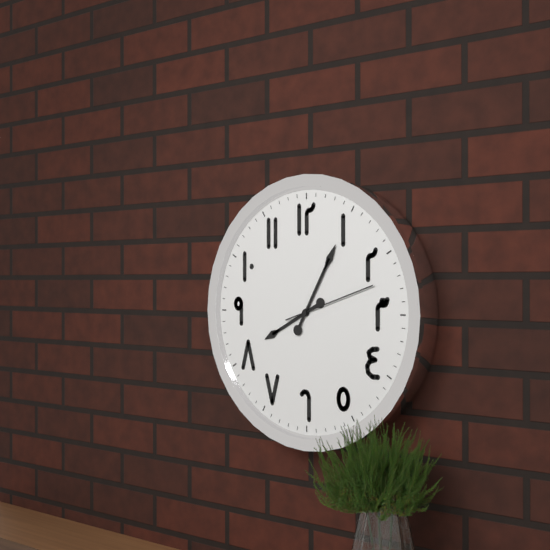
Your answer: 8.05.12
